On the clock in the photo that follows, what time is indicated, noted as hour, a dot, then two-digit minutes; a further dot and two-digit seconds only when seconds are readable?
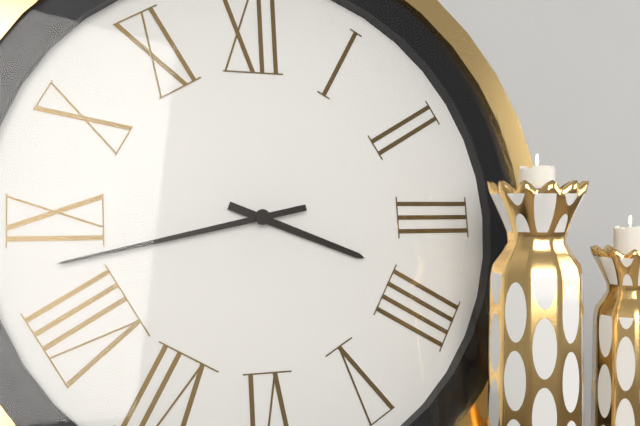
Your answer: 3.43
